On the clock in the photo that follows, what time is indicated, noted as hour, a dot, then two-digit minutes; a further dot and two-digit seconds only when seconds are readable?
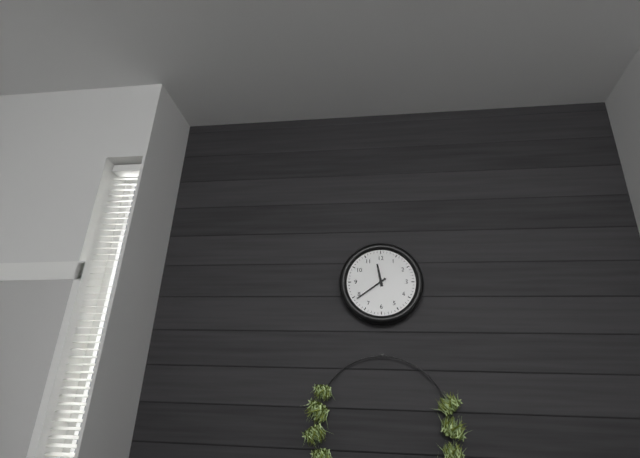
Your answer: 11.39
